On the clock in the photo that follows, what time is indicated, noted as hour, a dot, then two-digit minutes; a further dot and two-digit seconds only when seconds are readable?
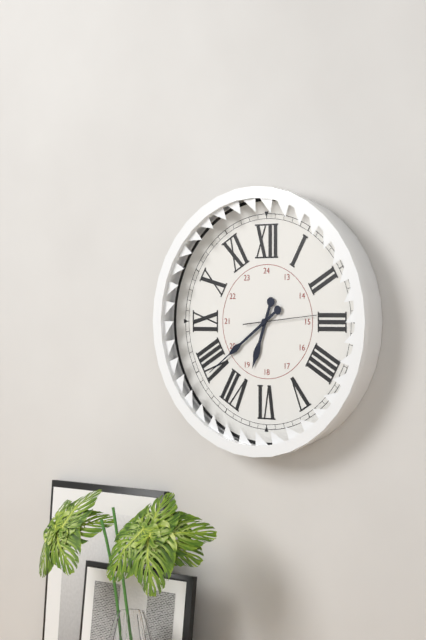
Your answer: 6.39.14
